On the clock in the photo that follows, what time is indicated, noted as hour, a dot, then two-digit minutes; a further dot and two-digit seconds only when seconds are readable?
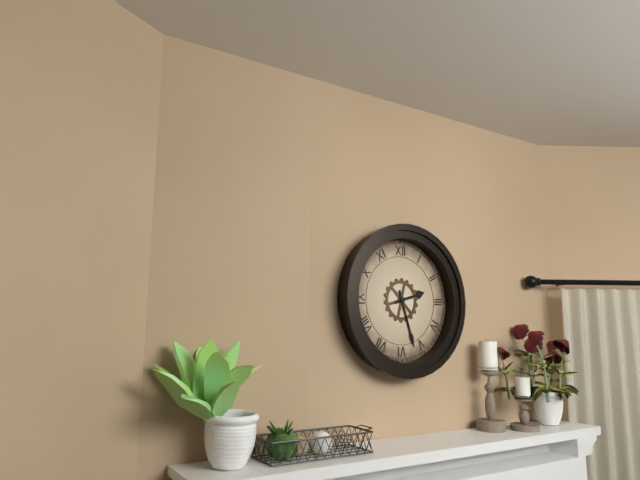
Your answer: 2.27
